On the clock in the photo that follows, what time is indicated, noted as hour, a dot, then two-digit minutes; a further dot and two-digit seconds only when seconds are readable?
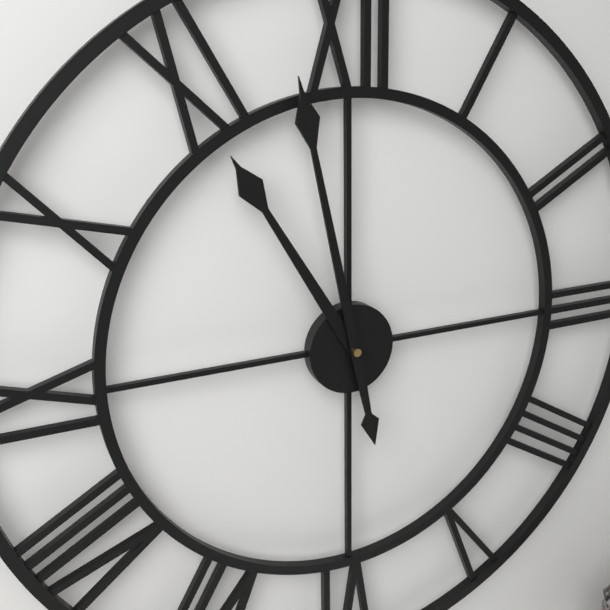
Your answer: 10.58
